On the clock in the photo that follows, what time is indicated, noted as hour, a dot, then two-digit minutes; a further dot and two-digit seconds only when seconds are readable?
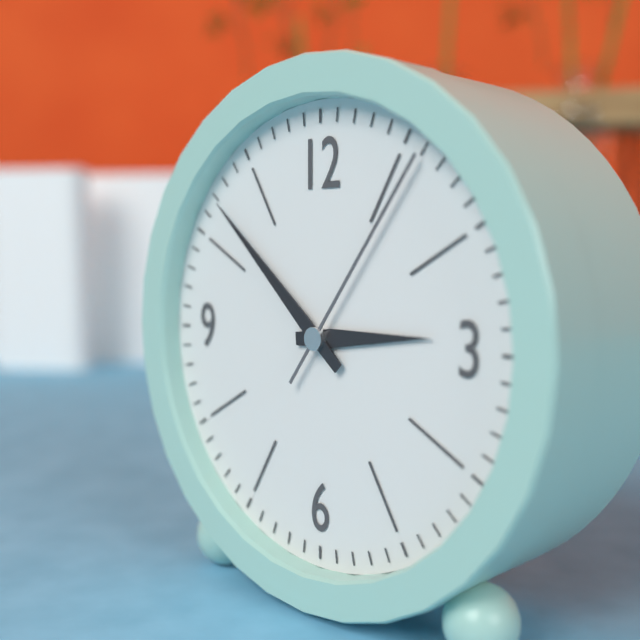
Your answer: 2.52.06
